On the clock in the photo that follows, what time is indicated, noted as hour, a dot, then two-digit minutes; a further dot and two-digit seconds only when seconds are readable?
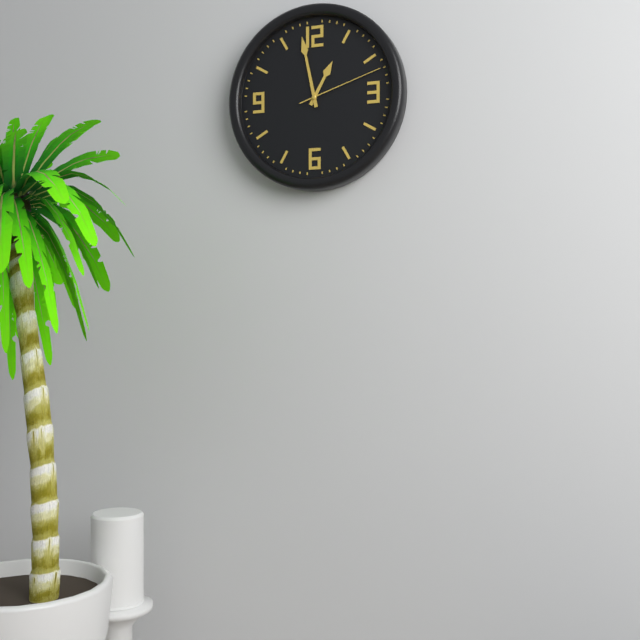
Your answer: 12.58.12
